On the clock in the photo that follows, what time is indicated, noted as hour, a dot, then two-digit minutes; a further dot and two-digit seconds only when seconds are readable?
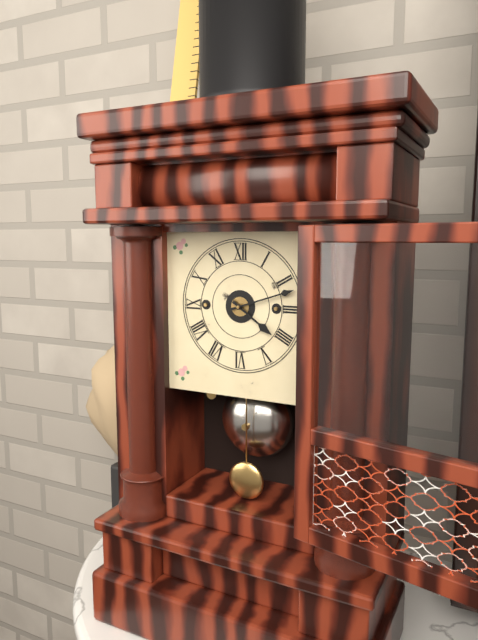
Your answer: 4.12
